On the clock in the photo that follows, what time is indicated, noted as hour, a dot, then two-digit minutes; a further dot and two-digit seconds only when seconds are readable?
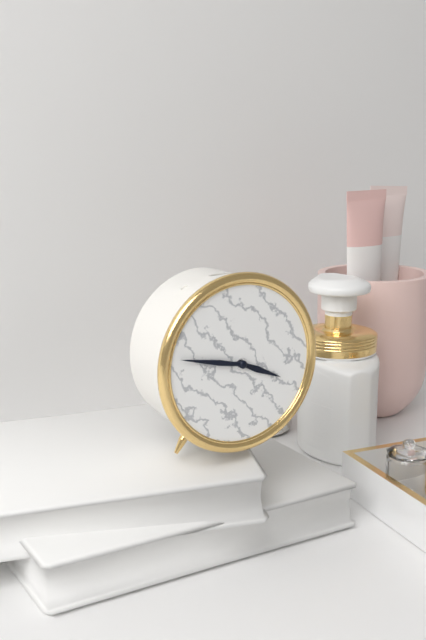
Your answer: 3.47
